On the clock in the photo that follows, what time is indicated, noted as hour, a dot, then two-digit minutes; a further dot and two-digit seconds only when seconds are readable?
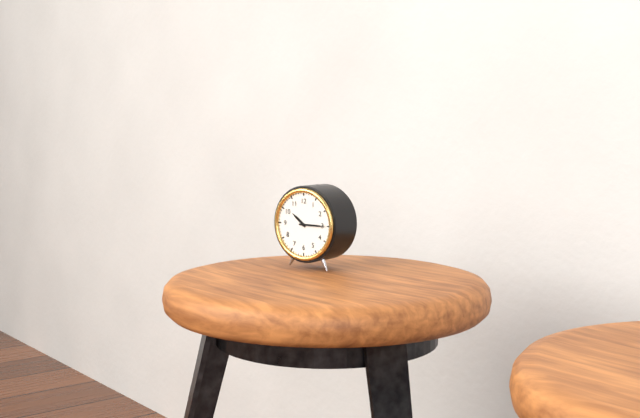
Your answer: 10.15
